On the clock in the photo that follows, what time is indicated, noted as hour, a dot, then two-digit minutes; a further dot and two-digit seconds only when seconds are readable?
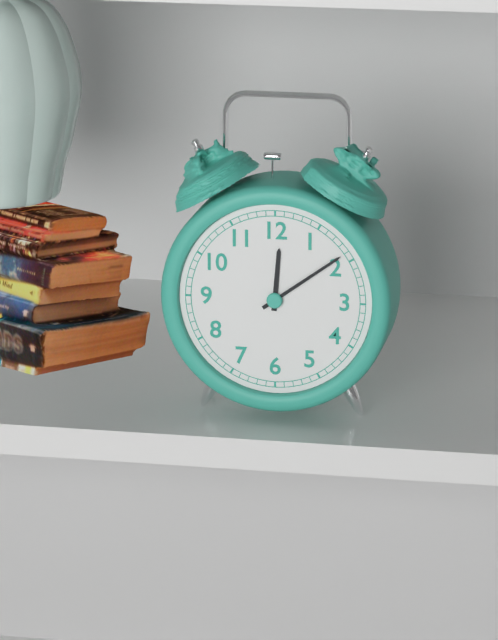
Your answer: 12.09
